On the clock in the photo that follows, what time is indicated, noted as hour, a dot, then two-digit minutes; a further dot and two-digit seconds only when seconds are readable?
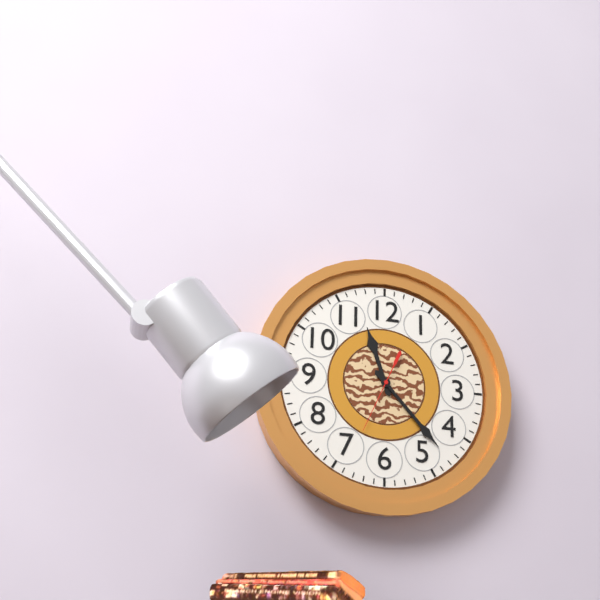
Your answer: 11.23.34
